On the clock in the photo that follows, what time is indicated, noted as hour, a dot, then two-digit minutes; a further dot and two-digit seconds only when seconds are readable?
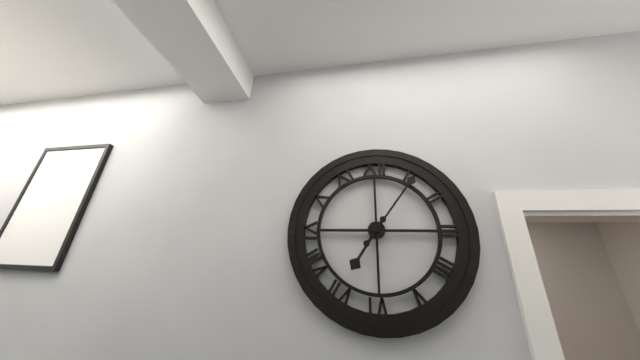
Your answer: 7.06
